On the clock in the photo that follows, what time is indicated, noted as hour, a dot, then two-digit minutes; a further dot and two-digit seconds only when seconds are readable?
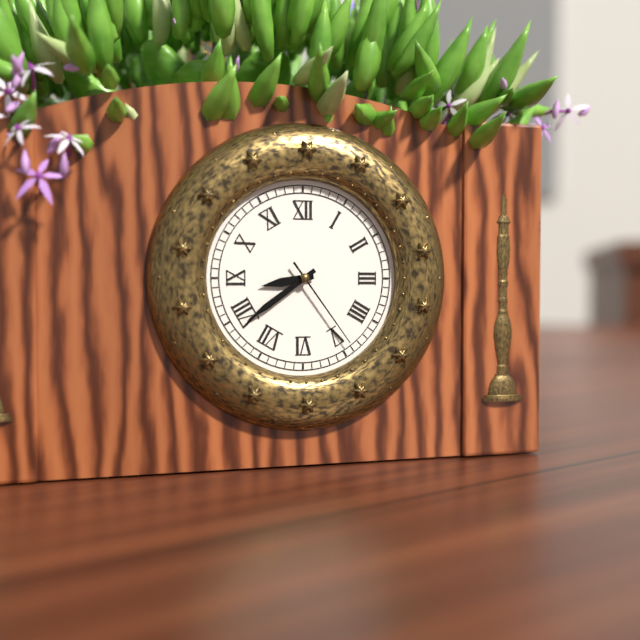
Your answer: 8.39.24
